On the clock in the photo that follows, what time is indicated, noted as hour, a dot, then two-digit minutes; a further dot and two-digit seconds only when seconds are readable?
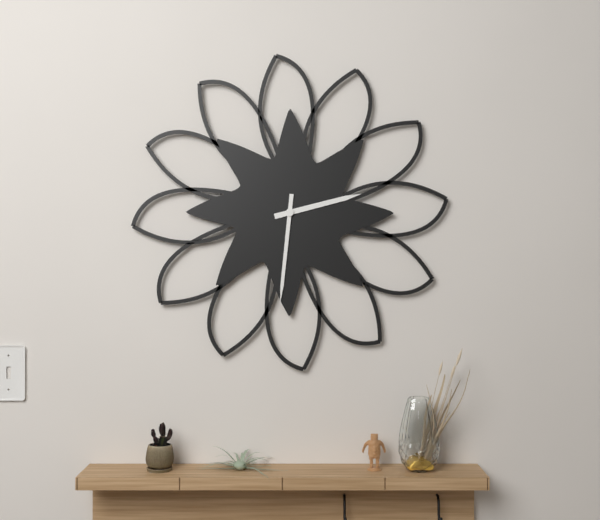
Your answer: 2.31
